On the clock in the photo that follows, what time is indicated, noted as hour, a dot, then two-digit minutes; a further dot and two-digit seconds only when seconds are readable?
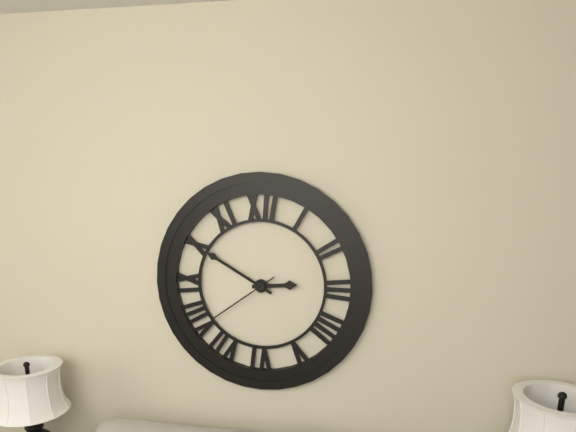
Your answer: 2.50.39
